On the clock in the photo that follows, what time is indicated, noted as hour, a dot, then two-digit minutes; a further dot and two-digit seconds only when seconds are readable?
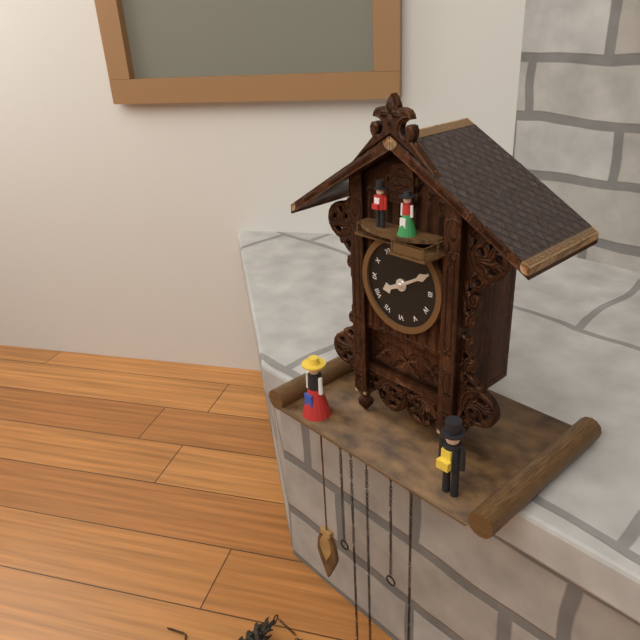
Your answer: 8.10
